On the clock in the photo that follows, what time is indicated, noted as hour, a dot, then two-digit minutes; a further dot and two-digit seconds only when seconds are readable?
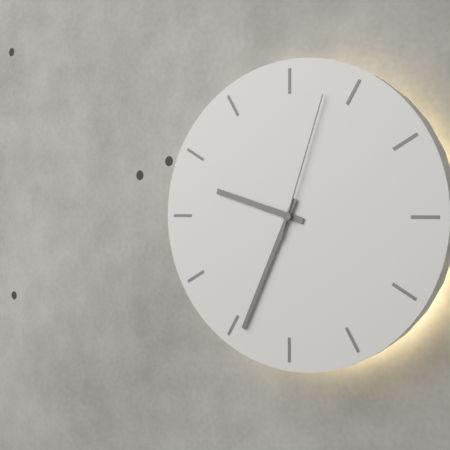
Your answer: 9.34.03
